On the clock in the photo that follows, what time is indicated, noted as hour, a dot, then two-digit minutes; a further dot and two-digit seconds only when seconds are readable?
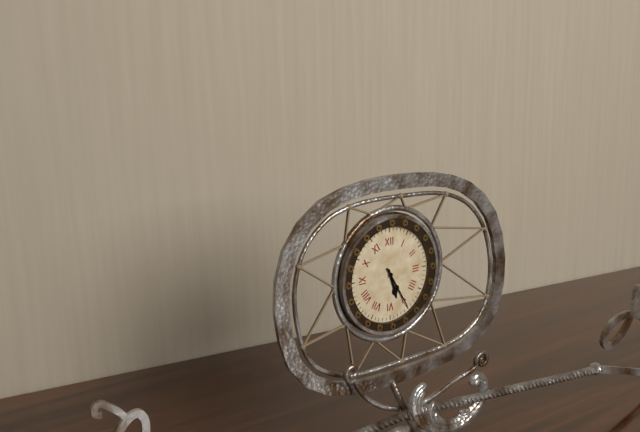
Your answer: 5.25
